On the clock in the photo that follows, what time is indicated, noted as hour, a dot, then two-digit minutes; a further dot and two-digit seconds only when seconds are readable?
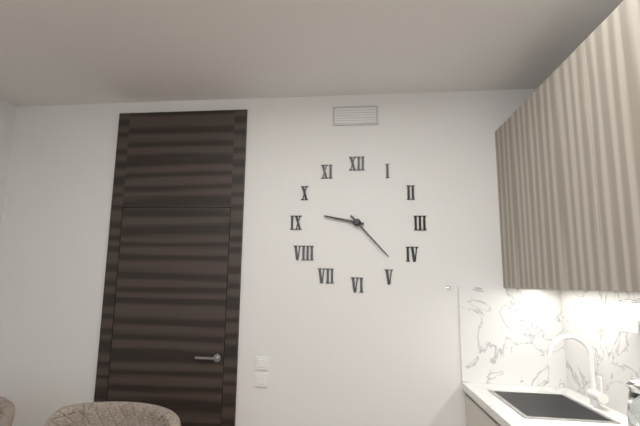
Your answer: 9.23
